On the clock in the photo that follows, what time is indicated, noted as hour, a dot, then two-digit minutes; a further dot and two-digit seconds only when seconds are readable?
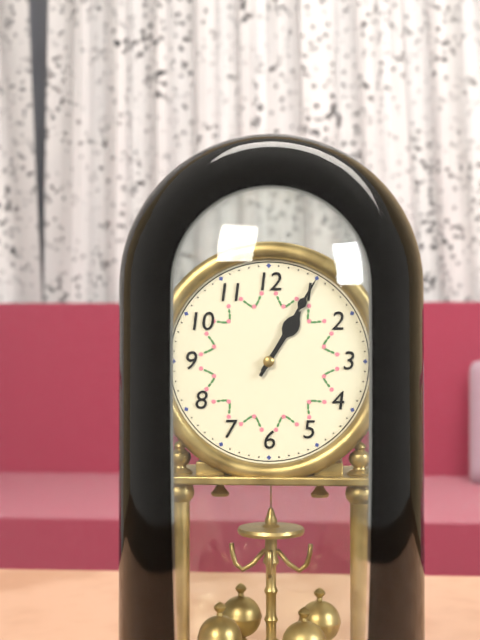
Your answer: 1.05
